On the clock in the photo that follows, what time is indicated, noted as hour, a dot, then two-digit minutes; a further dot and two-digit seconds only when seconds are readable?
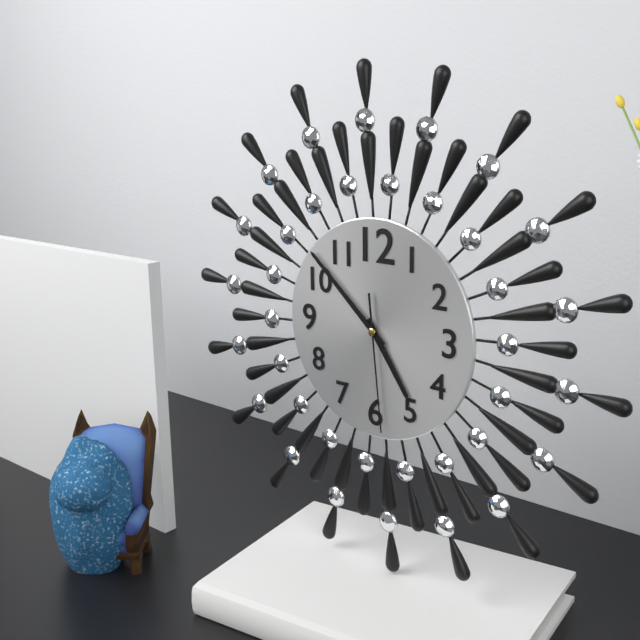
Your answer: 4.52.29
